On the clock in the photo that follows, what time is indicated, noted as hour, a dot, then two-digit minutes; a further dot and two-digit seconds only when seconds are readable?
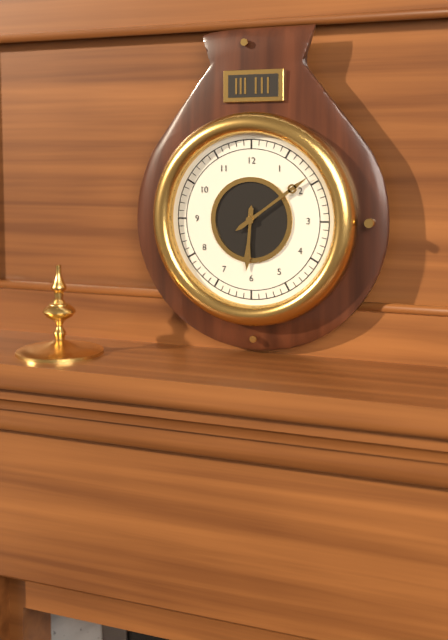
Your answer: 6.09
